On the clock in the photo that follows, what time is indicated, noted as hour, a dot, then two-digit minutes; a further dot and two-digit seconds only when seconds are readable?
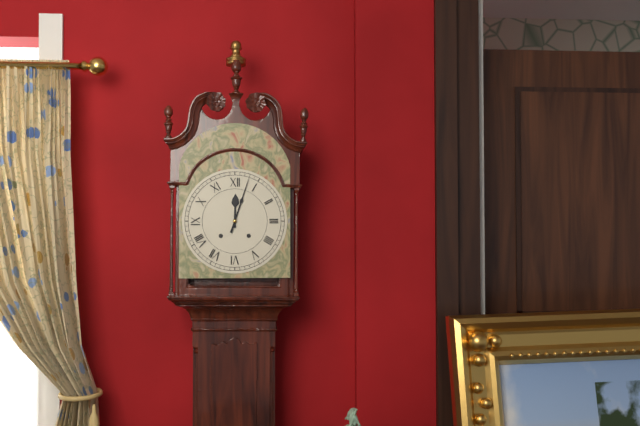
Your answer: 12.03
